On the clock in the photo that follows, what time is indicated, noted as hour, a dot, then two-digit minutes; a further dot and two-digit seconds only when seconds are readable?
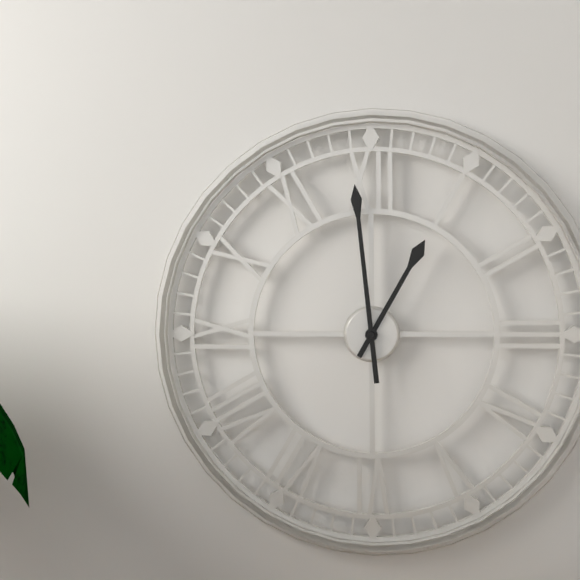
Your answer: 12.59
